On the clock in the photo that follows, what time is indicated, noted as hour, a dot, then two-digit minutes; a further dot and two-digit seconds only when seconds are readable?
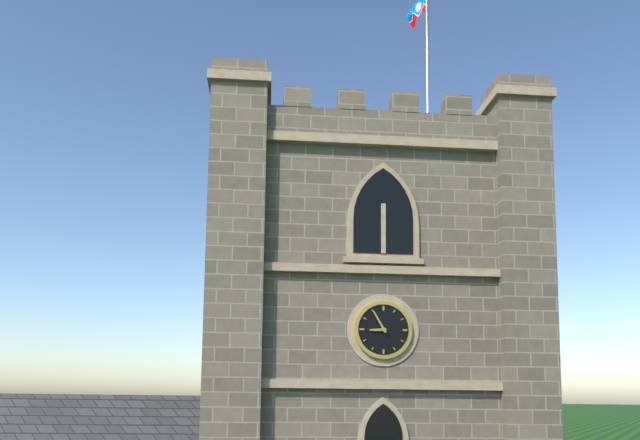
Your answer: 8.55
